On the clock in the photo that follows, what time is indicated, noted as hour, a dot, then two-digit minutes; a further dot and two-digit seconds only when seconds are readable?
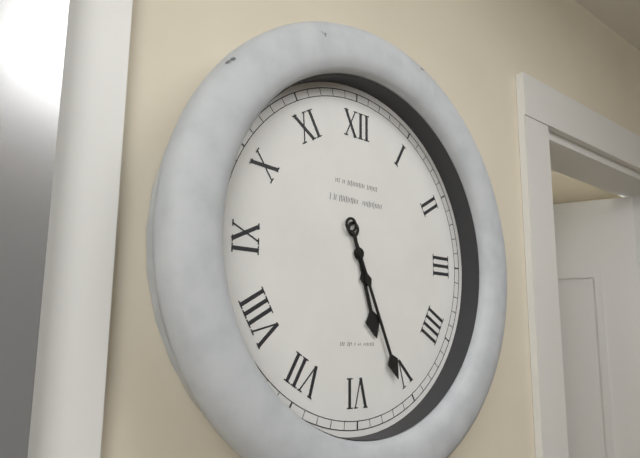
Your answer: 5.26
